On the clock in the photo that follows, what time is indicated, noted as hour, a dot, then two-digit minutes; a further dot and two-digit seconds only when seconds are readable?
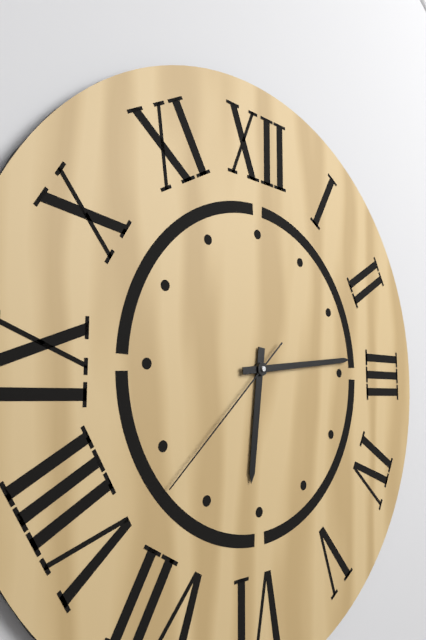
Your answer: 6.14.38
